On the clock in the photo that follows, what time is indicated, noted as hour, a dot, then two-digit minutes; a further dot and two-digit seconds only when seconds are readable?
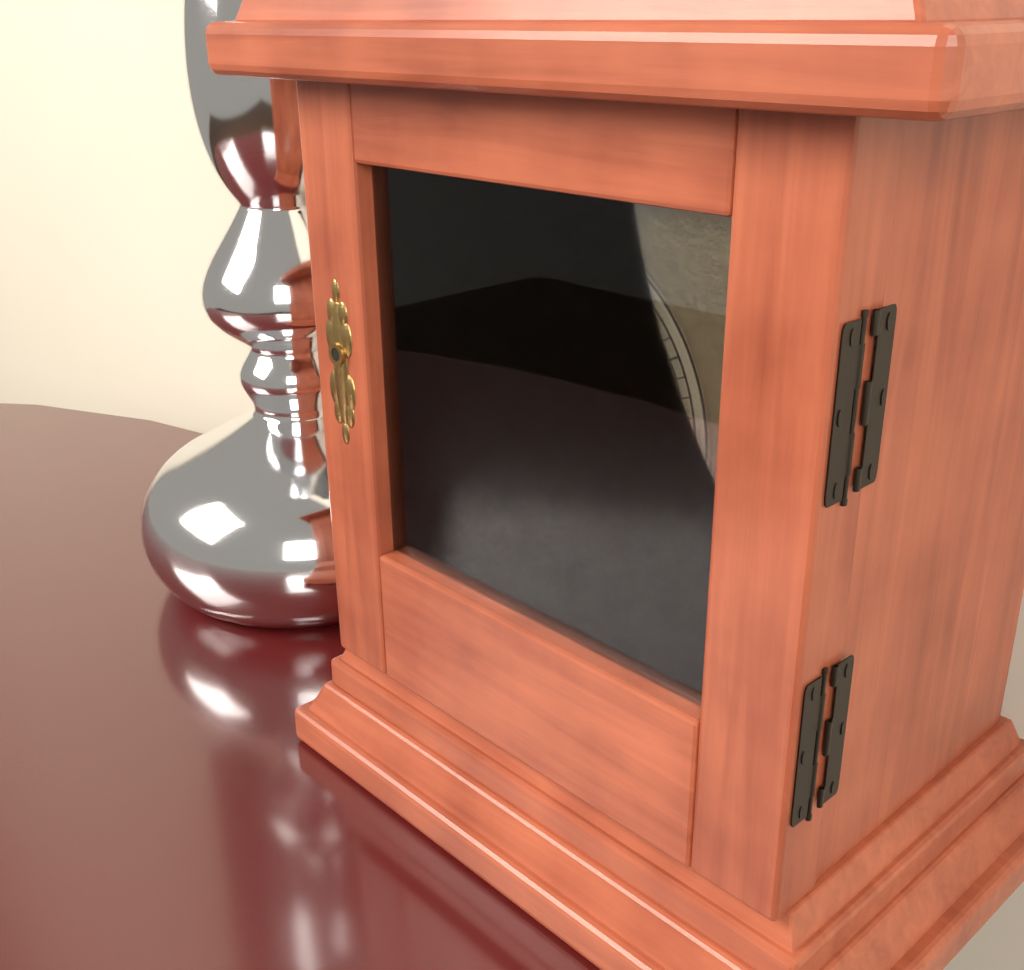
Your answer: 5.41
